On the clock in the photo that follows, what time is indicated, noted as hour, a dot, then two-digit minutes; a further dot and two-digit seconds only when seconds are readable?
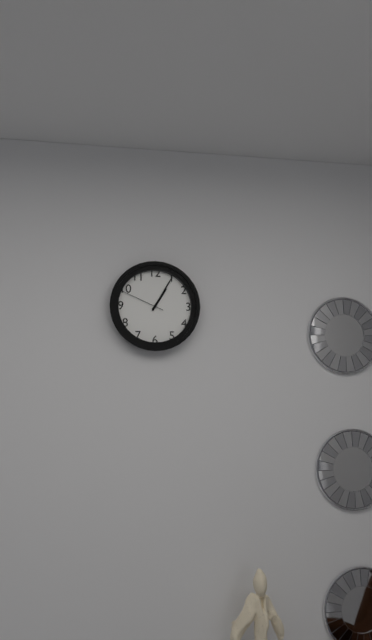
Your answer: 1.05
